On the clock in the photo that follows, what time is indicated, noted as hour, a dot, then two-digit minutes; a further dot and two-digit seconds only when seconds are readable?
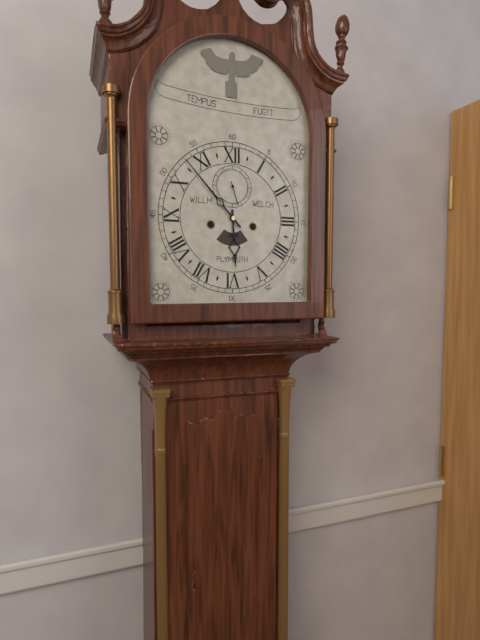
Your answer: 5.53
